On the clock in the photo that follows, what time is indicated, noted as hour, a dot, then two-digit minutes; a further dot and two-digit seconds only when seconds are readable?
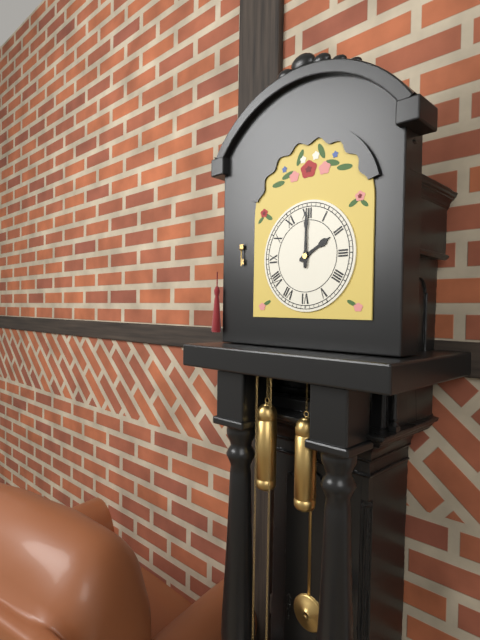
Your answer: 2.00
